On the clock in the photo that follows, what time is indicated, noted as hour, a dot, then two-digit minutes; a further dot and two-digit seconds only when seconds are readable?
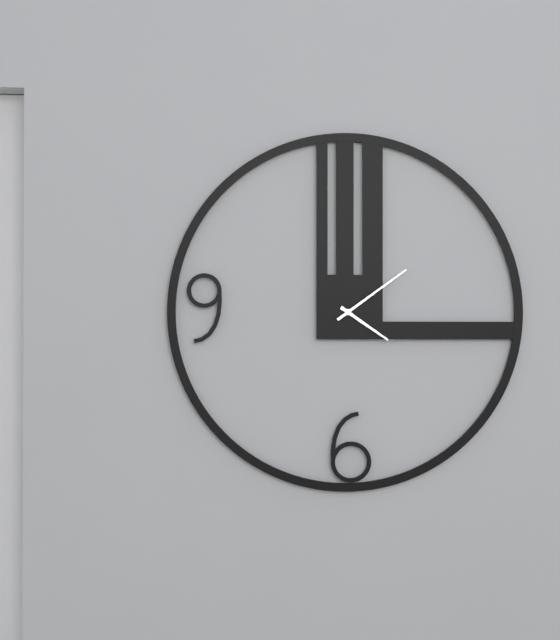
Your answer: 4.09
